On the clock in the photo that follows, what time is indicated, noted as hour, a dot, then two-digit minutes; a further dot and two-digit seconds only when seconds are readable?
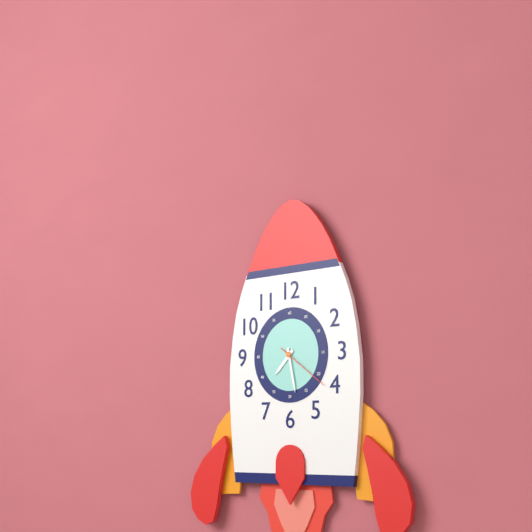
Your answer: 7.28.21
